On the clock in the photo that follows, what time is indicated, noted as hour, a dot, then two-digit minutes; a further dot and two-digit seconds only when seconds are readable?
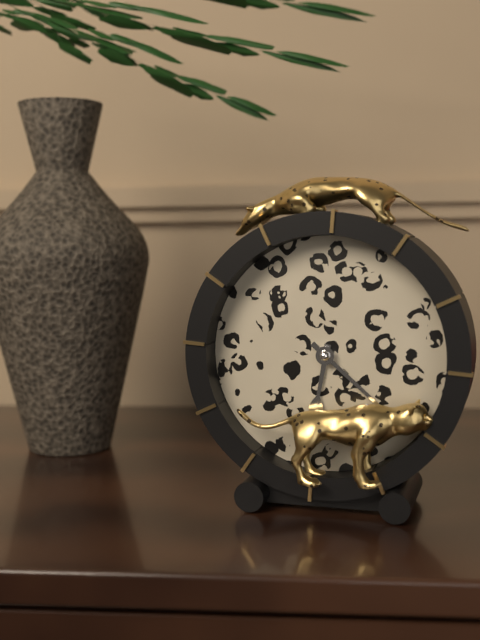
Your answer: 6.22
